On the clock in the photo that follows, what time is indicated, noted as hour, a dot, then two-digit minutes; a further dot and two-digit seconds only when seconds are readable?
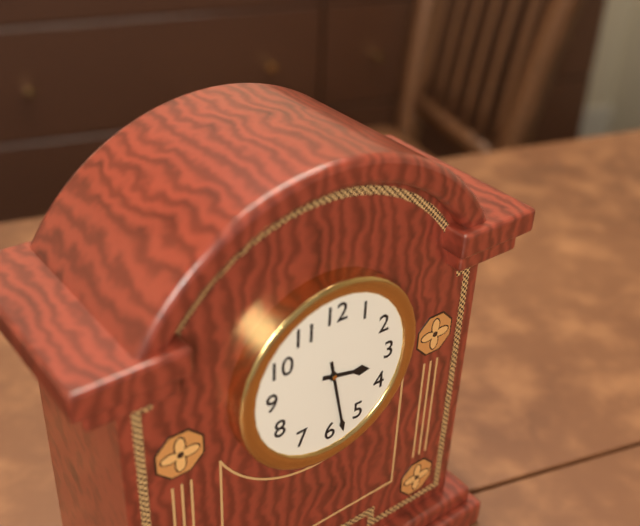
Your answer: 3.28
